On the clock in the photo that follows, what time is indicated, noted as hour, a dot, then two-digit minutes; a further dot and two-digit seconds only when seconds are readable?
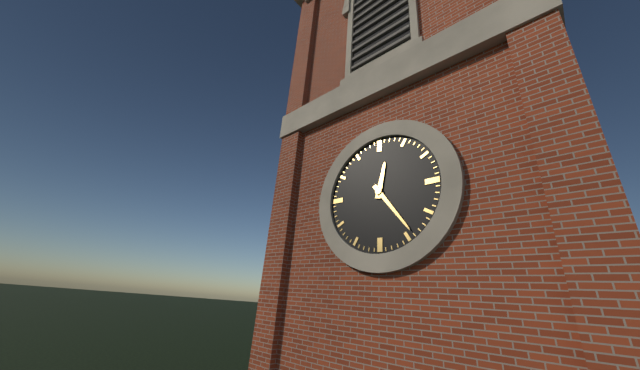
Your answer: 12.24
